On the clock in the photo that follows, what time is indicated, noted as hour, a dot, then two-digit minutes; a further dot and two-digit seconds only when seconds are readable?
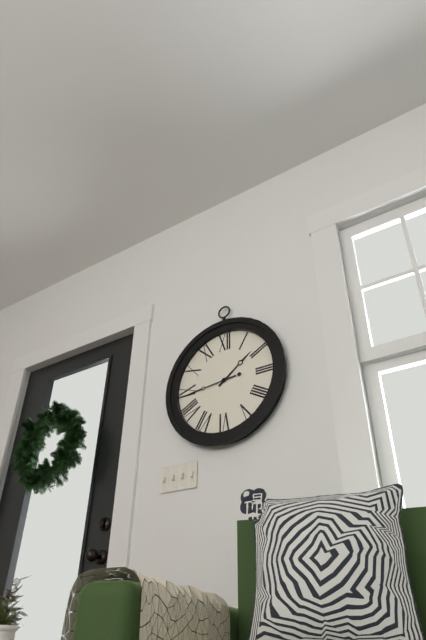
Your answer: 1.44
